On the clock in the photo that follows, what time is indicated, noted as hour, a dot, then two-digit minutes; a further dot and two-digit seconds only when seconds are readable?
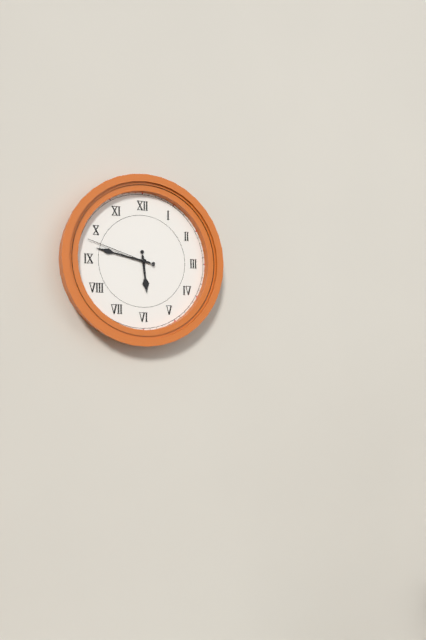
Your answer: 5.47.48
